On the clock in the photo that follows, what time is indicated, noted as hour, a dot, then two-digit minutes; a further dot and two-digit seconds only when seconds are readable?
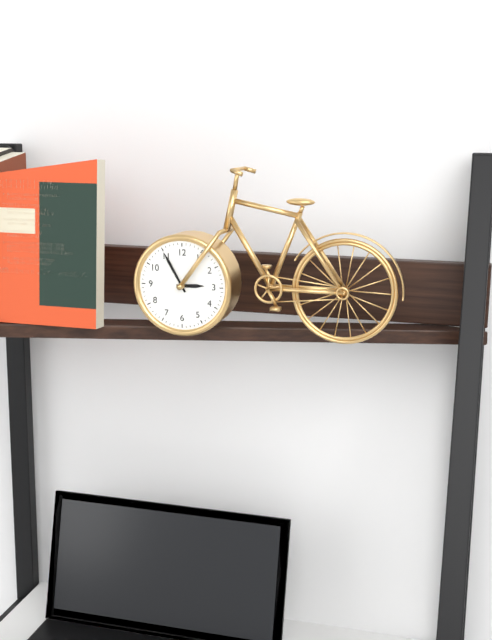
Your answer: 2.55
